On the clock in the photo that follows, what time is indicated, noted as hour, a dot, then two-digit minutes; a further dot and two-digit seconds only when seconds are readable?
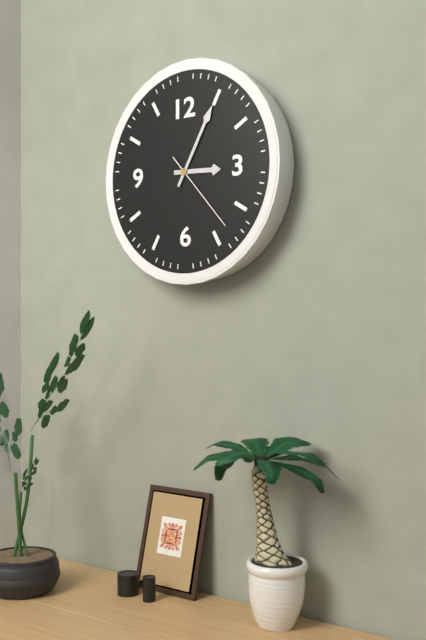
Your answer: 3.05.23
